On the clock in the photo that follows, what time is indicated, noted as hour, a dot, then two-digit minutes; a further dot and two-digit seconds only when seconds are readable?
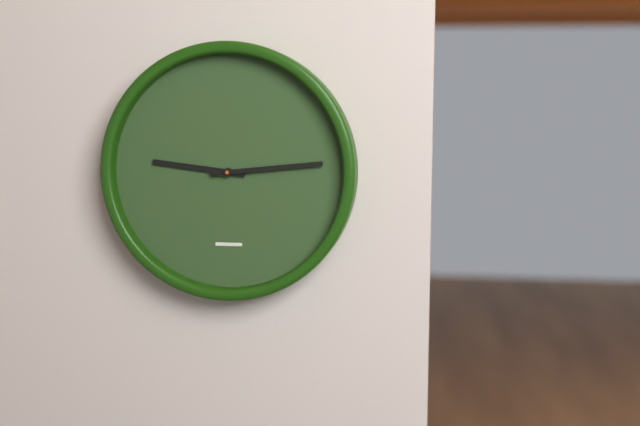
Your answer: 9.14
